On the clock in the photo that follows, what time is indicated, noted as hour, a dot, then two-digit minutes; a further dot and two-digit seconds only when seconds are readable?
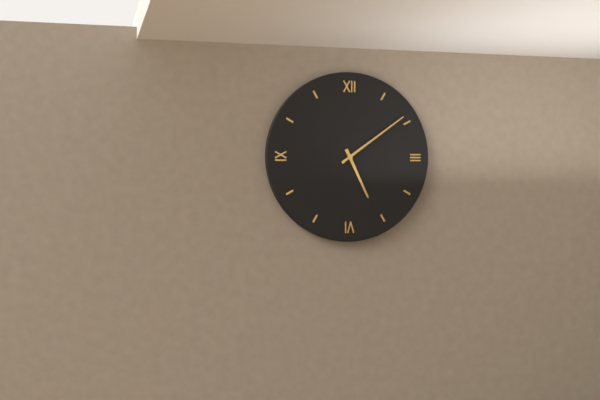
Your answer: 5.09
